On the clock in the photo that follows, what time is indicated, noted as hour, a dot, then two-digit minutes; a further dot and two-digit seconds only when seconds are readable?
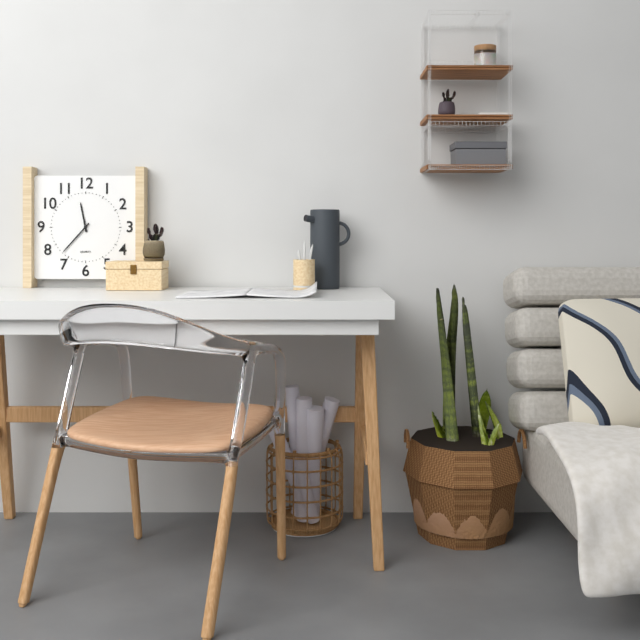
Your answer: 11.37
